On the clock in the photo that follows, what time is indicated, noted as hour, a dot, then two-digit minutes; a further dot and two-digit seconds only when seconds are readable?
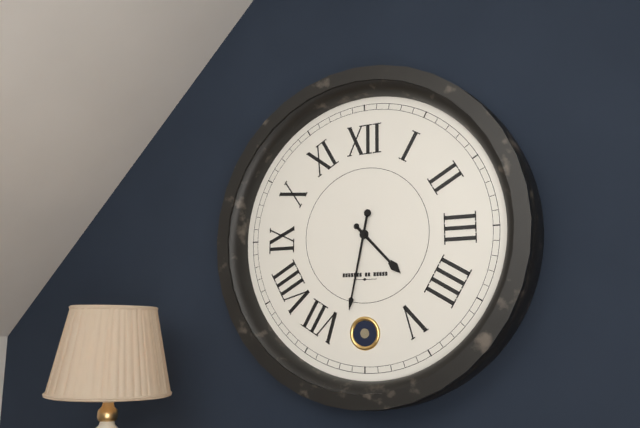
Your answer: 4.32
